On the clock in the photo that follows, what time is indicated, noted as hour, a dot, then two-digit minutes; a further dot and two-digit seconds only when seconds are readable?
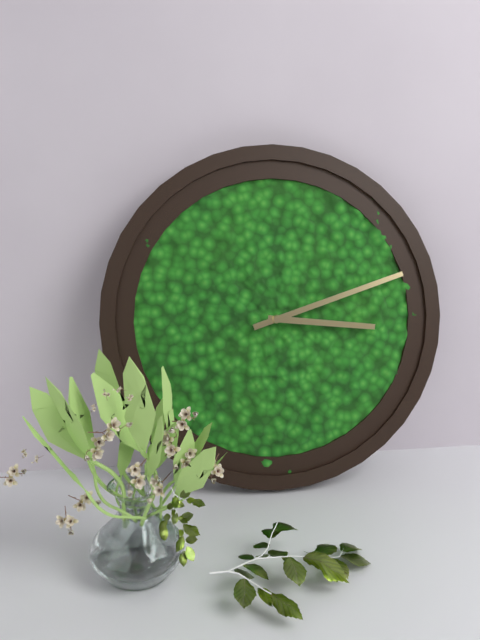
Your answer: 3.12
